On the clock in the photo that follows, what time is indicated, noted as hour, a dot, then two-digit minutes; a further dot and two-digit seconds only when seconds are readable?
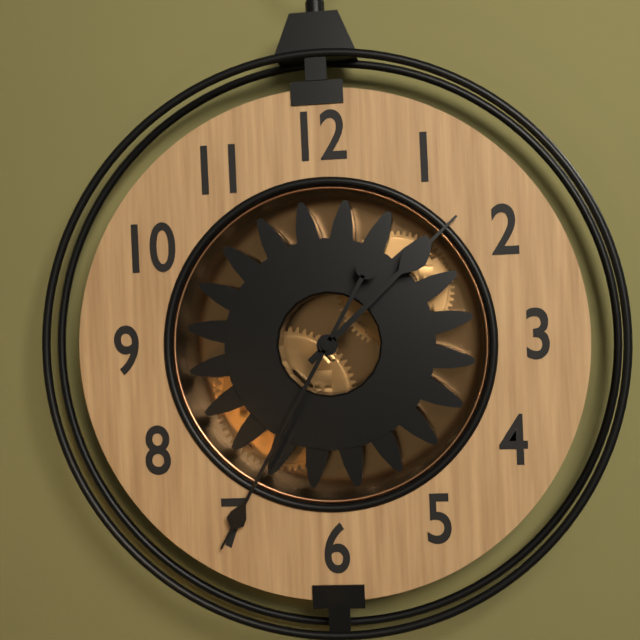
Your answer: 1.35
